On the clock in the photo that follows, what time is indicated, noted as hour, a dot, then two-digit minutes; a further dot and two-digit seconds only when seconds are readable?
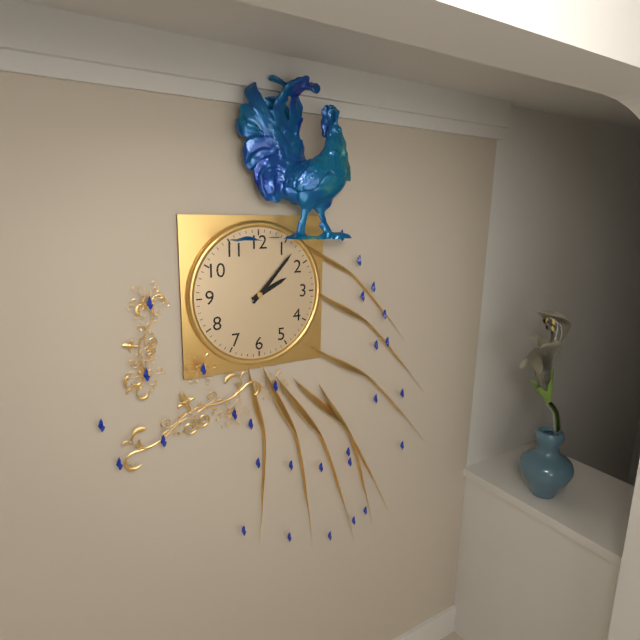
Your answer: 2.07
